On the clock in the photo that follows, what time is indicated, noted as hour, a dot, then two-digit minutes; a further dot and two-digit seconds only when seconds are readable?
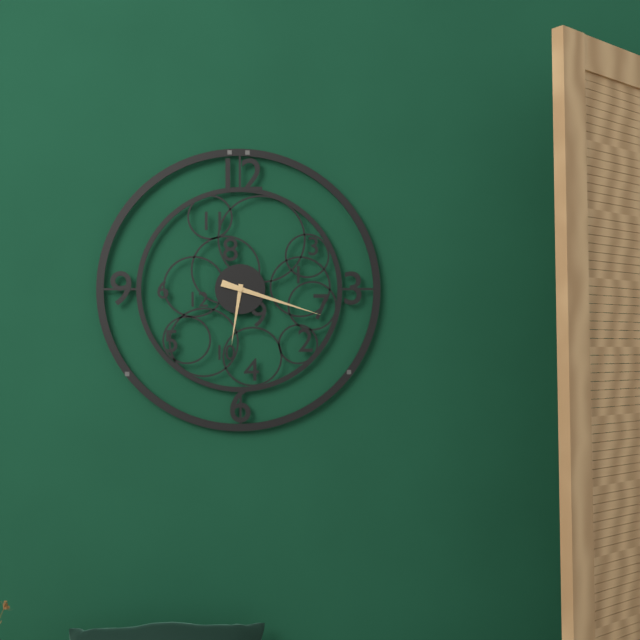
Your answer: 6.18
